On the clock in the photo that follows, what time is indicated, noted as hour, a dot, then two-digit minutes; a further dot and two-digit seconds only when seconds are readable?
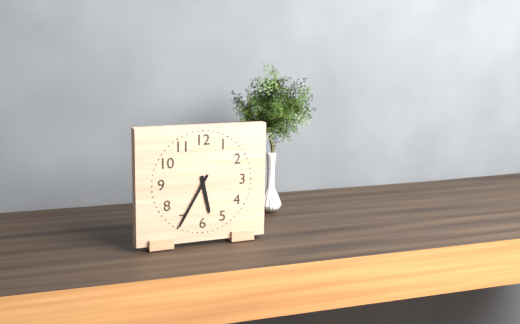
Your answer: 5.35
